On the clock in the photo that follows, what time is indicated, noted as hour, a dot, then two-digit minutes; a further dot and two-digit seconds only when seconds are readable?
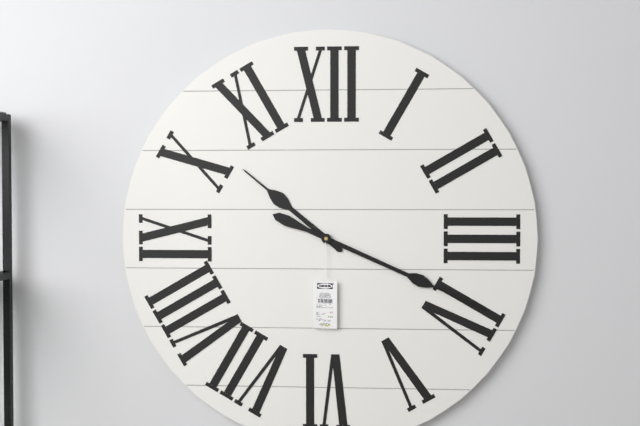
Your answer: 10.19
